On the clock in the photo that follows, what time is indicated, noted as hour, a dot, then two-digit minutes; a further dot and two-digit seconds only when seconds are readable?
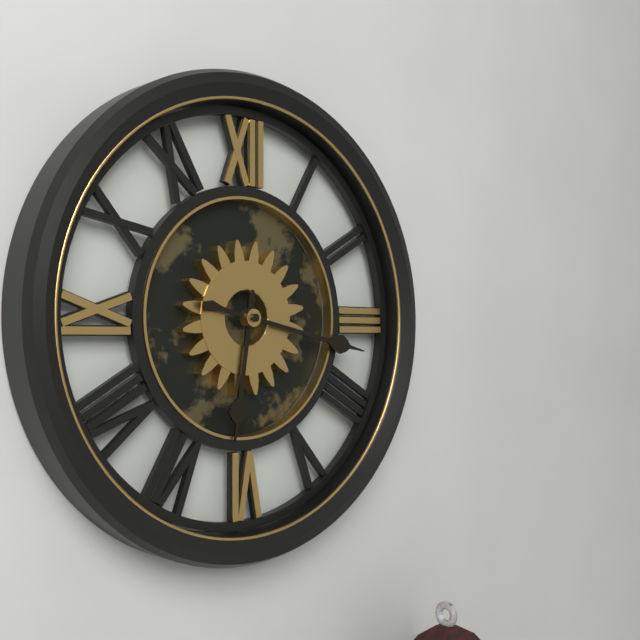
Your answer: 6.17
